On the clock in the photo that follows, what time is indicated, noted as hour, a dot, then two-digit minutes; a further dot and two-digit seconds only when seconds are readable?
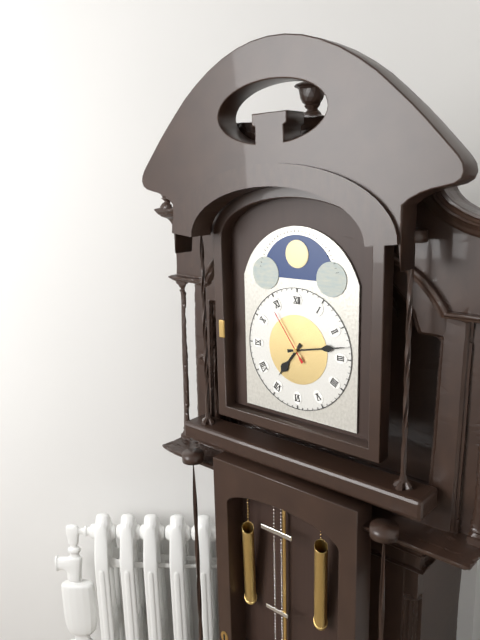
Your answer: 7.13.54
